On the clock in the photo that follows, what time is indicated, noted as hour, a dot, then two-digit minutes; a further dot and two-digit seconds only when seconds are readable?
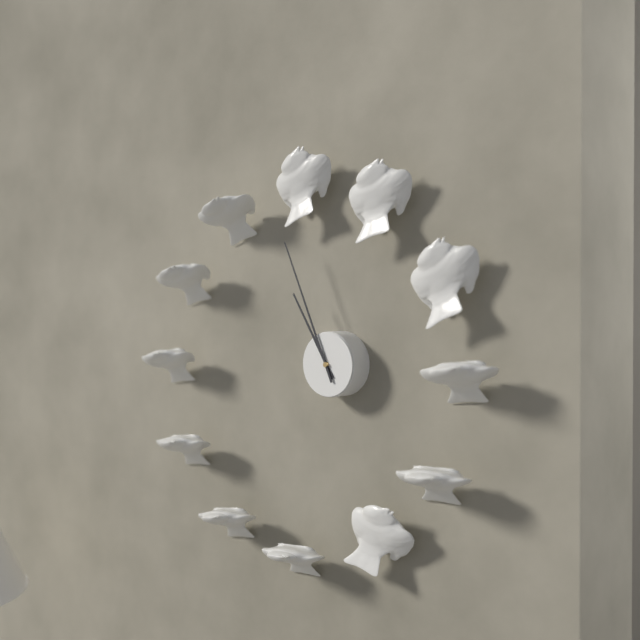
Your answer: 10.56
